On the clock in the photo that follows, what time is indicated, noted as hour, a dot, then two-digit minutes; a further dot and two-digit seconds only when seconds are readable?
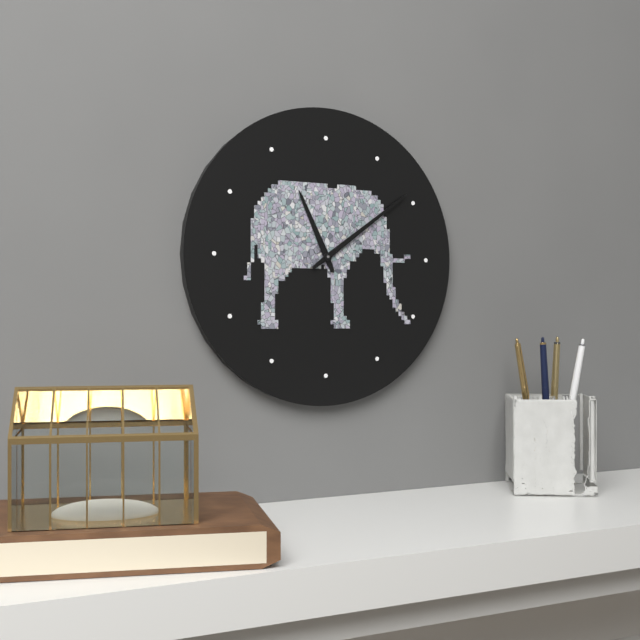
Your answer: 11.09
